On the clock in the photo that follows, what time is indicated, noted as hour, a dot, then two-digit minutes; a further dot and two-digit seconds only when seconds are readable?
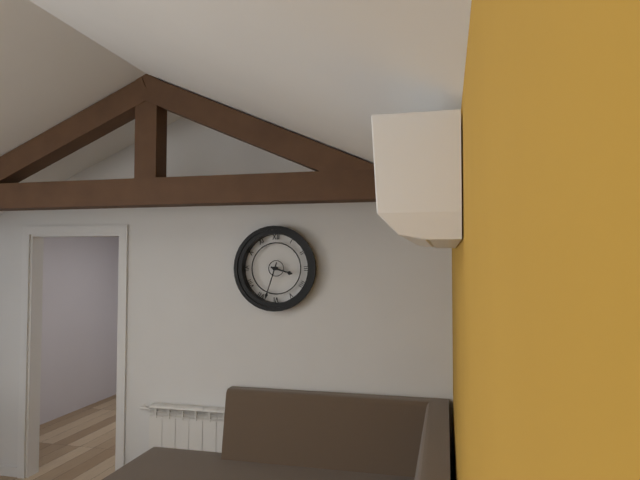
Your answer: 3.33
